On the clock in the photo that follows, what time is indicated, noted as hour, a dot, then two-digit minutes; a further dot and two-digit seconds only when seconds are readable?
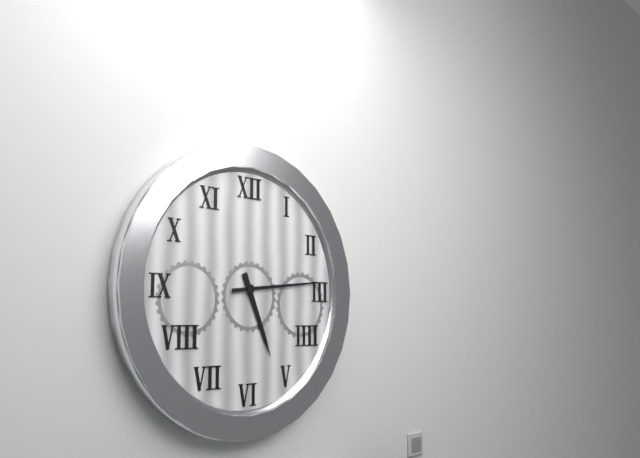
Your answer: 5.14
